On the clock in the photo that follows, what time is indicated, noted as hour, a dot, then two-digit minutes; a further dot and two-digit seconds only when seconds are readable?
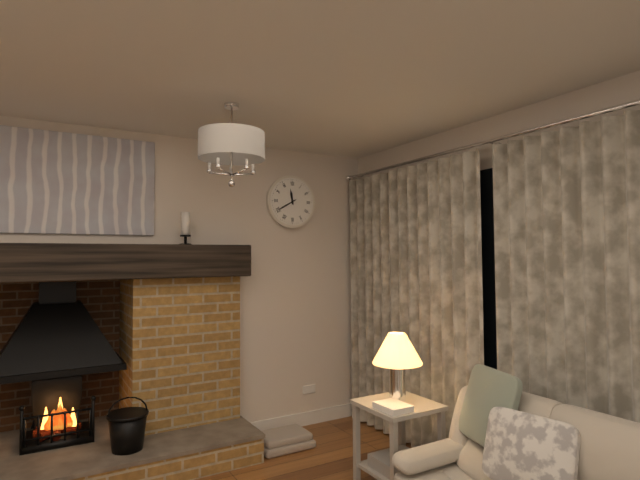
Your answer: 11.40
